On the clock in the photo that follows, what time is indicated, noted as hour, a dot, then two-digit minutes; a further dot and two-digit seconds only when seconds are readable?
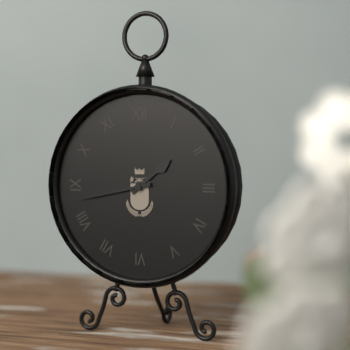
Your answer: 1.43
